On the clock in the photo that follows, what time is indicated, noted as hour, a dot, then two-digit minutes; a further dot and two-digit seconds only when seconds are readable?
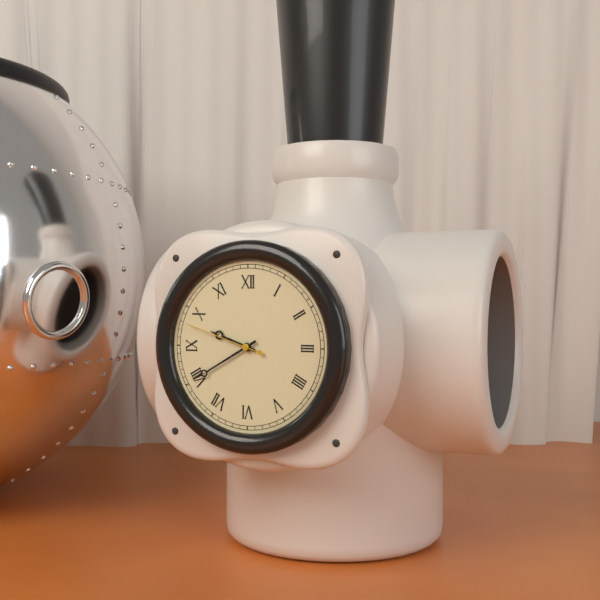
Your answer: 9.40.48
